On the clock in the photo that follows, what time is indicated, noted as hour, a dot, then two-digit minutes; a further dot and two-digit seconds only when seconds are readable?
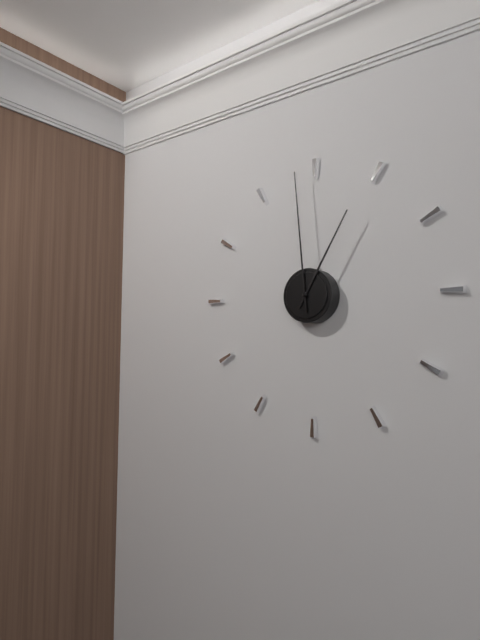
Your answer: 12.59
